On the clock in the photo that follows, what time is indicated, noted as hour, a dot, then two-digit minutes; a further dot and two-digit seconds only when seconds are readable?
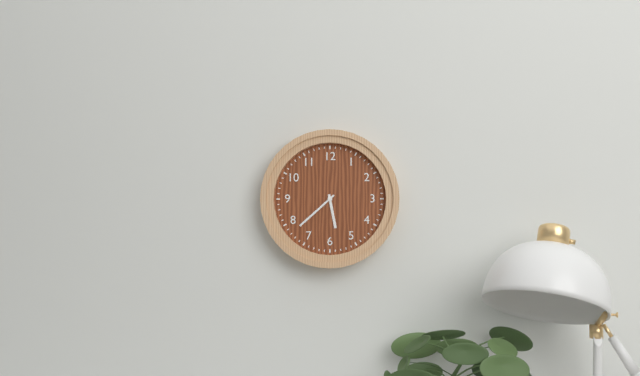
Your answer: 5.38
